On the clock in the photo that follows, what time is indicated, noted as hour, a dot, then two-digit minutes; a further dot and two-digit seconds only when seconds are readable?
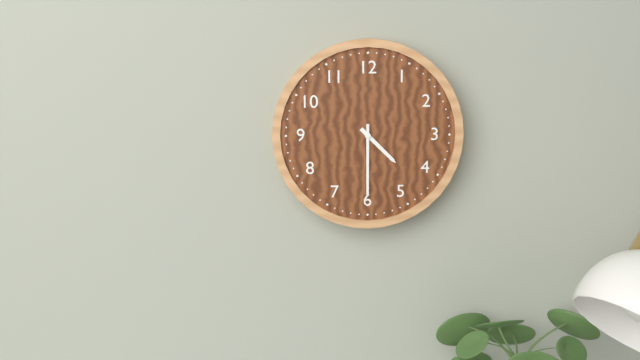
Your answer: 4.30
